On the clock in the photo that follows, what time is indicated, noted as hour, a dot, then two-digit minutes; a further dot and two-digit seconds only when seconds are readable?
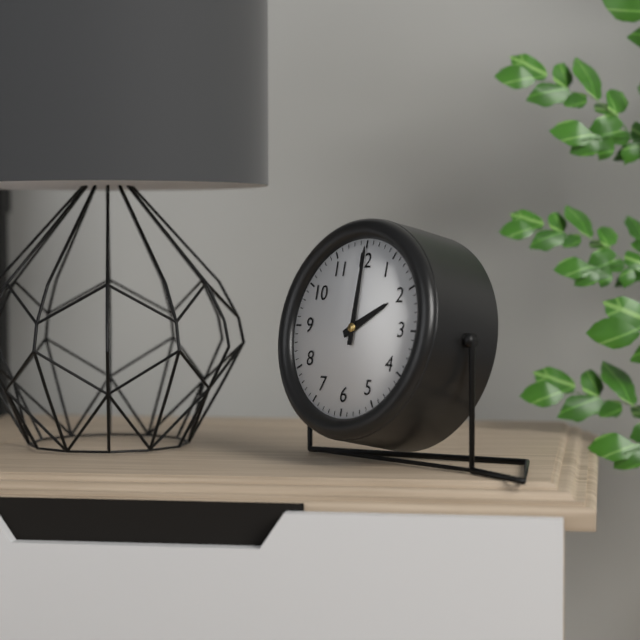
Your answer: 2.00
